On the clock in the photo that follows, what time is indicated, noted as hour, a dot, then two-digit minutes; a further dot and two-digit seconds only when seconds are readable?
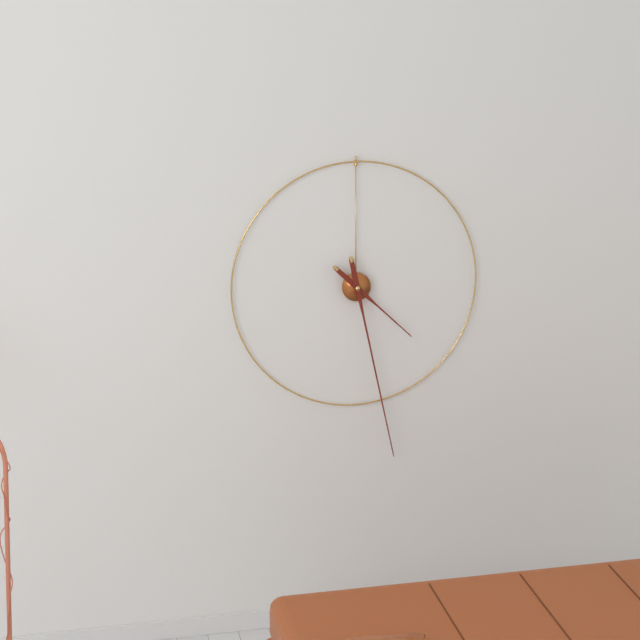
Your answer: 4.28
